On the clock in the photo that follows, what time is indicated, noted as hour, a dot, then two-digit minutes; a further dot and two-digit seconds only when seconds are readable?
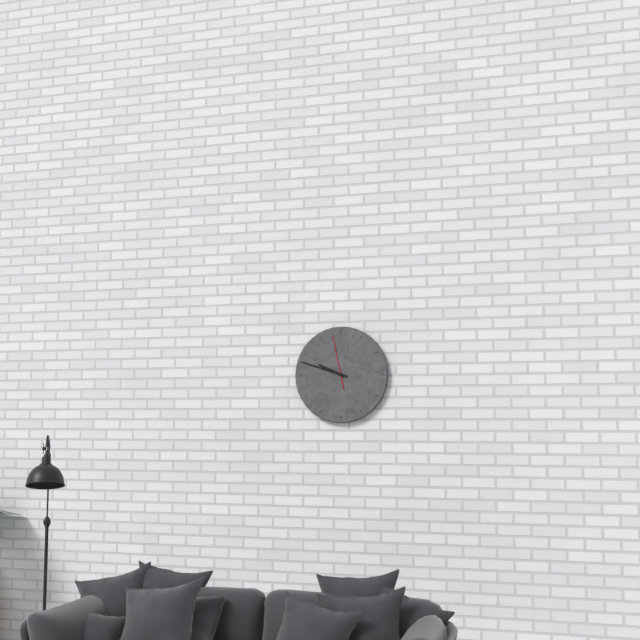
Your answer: 9.48.58
